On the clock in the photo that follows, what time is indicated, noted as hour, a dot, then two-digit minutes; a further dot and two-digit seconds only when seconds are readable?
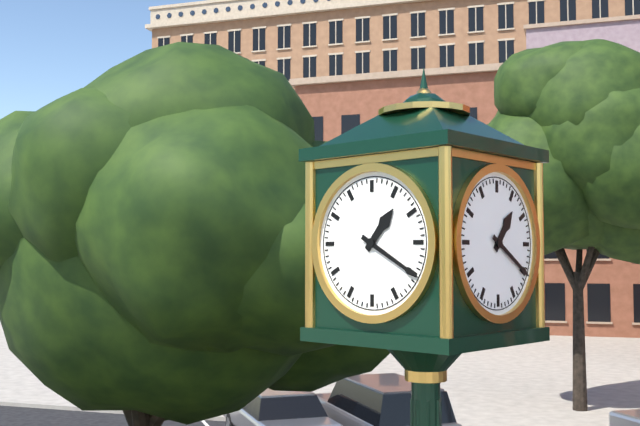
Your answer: 1.20
